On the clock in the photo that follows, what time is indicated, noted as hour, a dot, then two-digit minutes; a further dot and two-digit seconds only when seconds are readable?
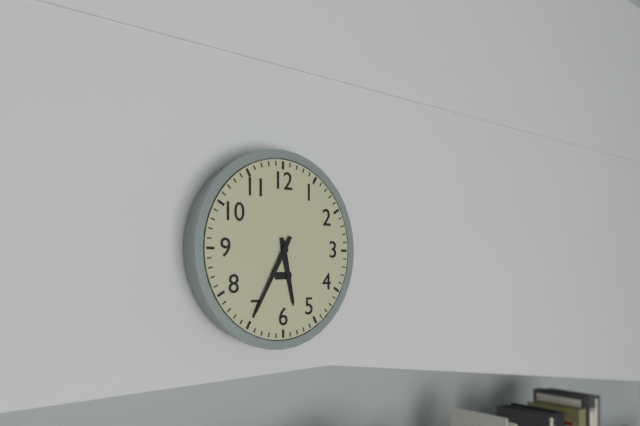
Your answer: 5.35
